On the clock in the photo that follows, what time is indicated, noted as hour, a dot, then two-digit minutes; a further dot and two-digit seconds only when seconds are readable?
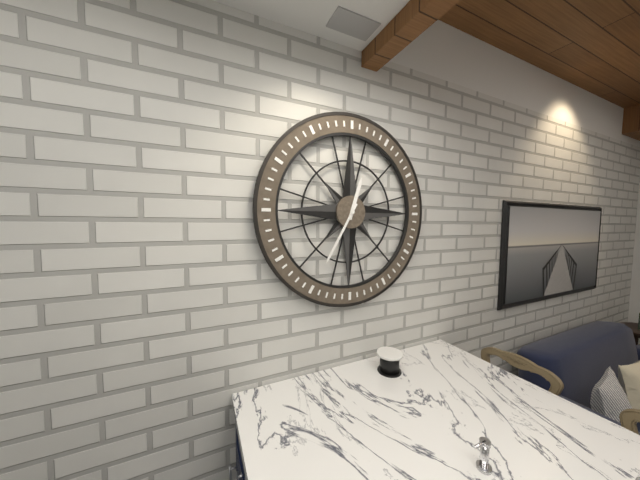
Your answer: 12.35
